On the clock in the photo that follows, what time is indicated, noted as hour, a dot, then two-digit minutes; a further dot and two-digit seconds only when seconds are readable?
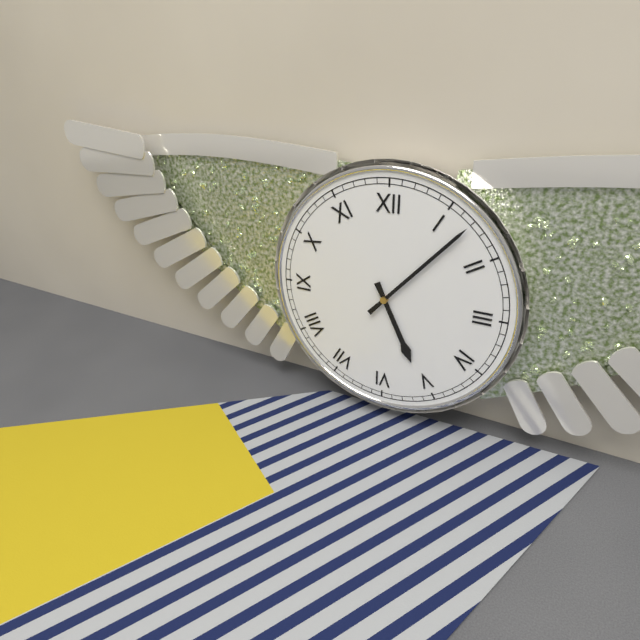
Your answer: 5.07
